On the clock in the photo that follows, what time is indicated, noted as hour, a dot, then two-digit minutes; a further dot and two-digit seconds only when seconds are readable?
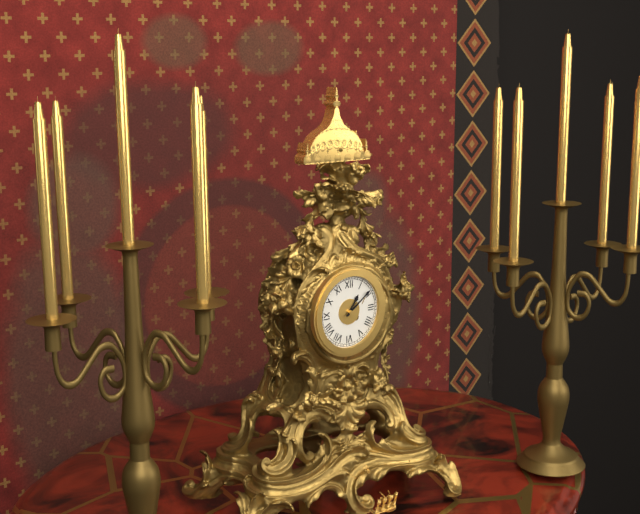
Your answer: 1.09
